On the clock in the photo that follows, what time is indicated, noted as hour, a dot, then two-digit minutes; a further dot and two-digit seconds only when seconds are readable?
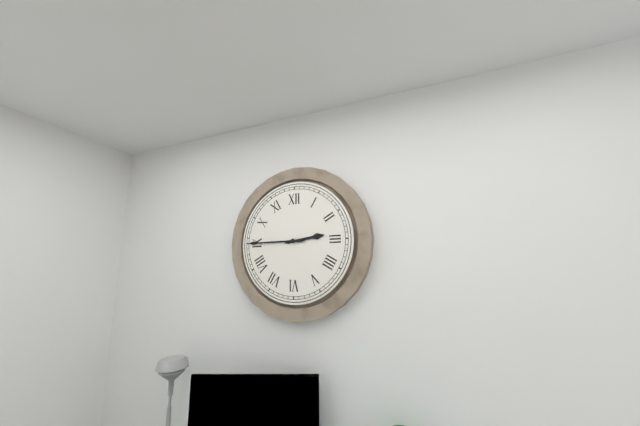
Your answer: 2.45
